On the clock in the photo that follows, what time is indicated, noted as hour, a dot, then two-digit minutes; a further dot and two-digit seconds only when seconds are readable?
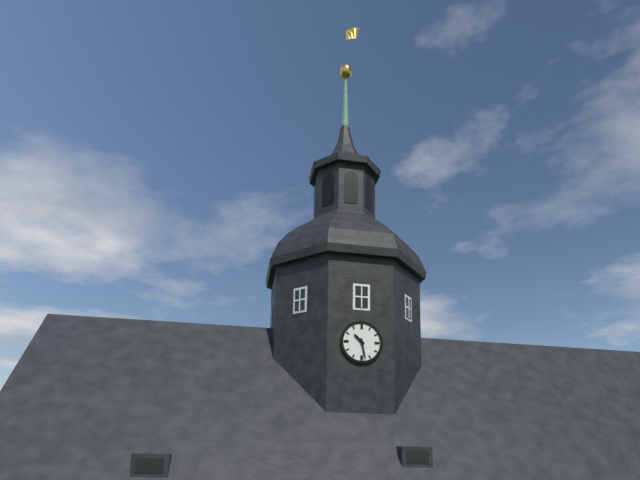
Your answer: 10.28
